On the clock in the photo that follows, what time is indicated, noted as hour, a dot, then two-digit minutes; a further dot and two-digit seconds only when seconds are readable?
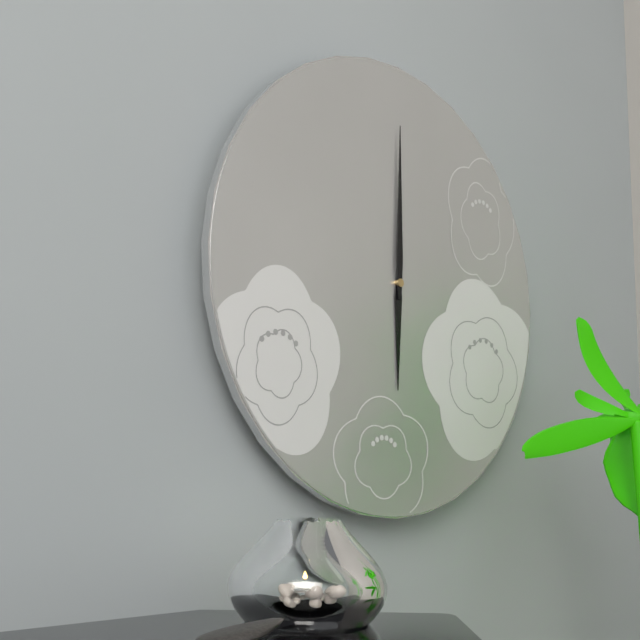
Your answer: 6.00
